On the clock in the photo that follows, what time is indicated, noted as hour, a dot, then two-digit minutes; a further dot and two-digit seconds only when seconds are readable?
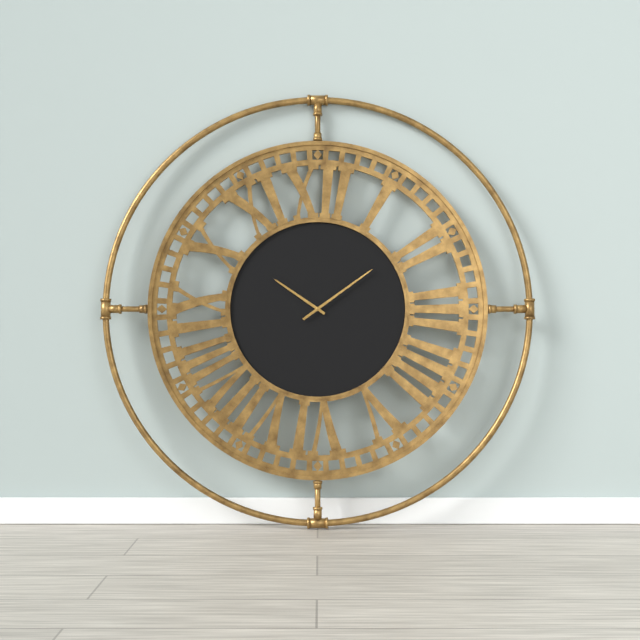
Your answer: 10.09
